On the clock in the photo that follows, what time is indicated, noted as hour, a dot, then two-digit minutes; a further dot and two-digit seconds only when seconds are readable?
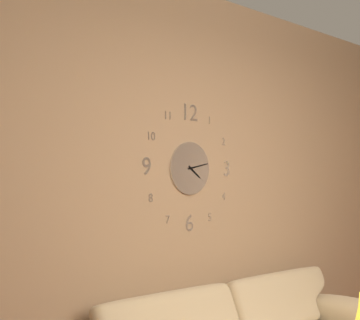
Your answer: 4.13
